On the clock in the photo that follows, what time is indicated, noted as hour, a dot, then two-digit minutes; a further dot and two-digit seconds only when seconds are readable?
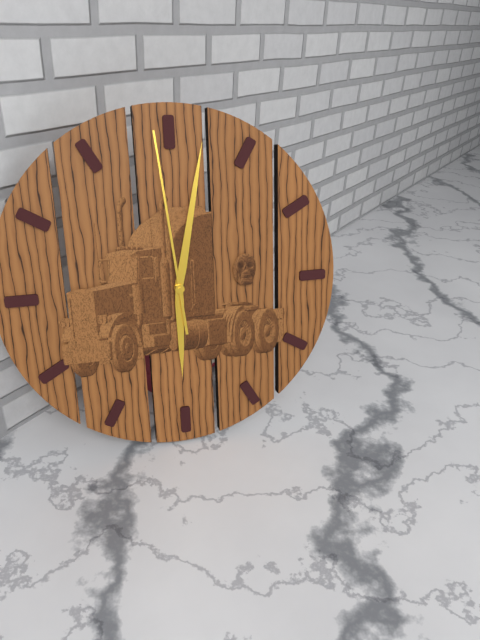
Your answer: 6.02.59
